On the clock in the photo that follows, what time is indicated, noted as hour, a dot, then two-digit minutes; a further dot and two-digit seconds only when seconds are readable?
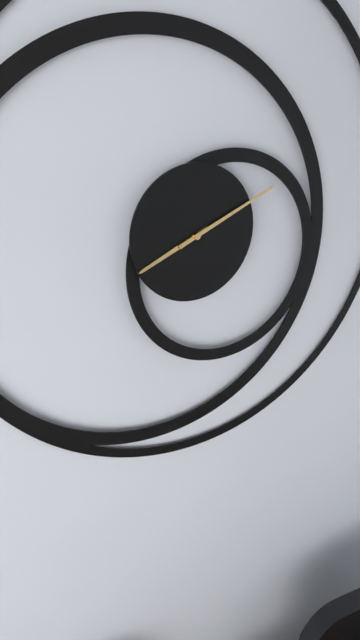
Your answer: 8.11
